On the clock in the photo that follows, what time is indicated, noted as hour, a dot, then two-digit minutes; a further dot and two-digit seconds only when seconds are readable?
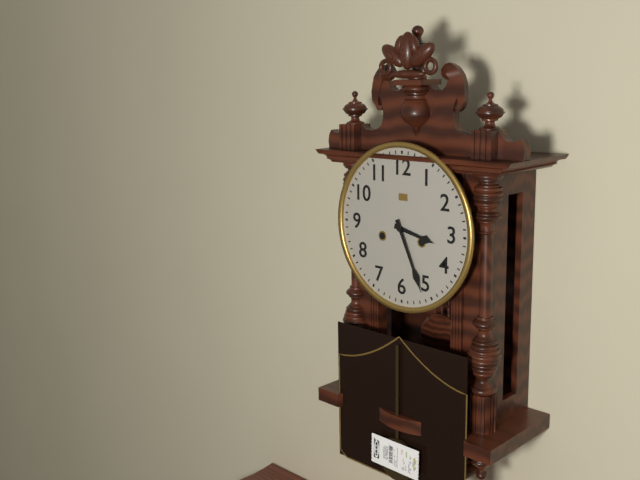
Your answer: 3.26
